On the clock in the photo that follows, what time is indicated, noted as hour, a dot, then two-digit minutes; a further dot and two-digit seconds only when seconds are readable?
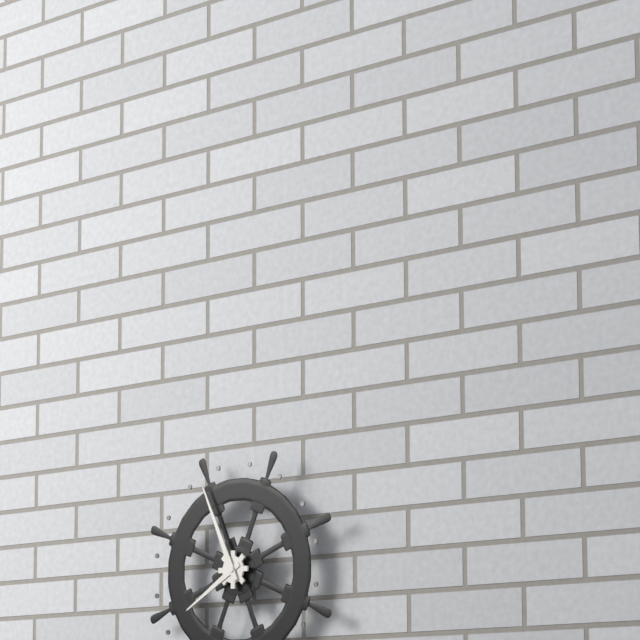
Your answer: 7.56
